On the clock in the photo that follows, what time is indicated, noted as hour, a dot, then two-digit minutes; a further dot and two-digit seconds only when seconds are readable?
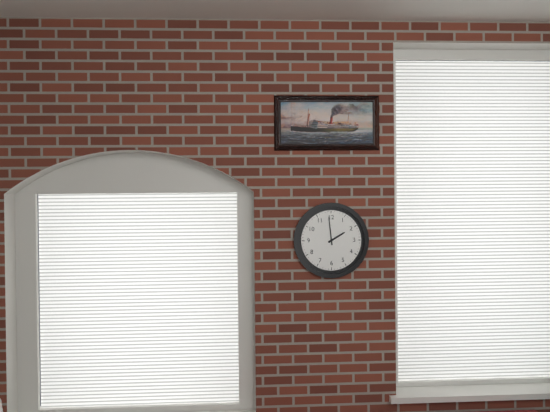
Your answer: 1.59
